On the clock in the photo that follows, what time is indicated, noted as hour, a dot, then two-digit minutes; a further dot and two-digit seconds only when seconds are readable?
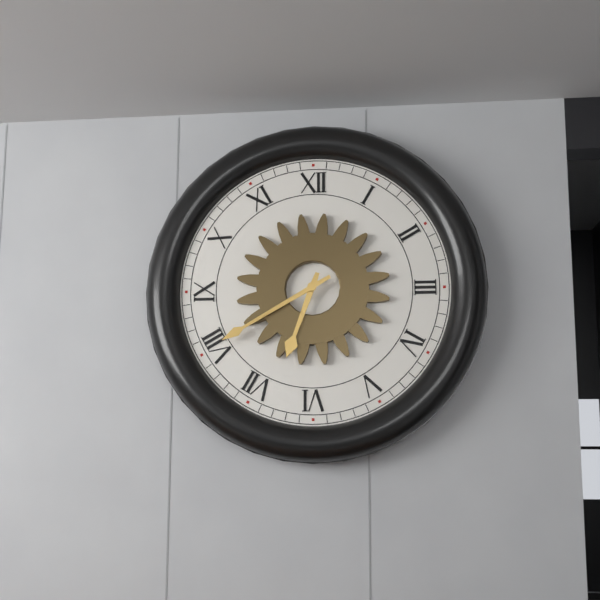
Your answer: 6.40
